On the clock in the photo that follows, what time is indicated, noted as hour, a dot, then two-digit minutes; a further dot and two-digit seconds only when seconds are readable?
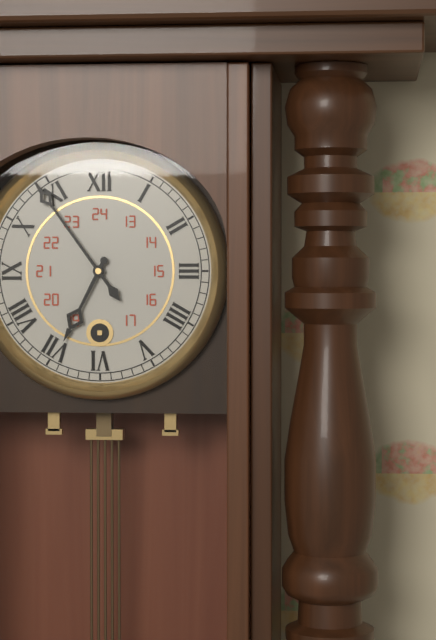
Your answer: 6.54
